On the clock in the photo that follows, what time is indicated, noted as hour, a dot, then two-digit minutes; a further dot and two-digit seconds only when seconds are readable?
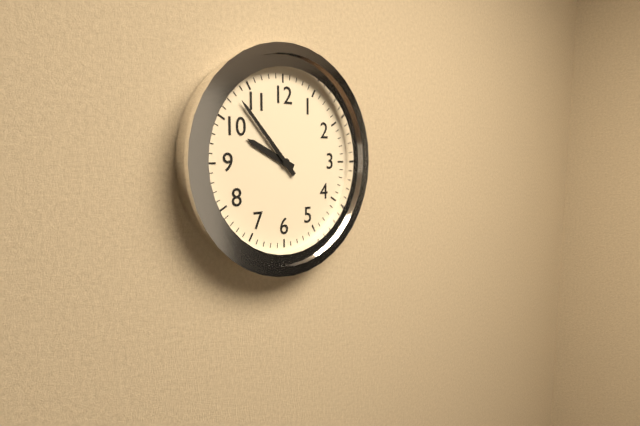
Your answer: 9.53
